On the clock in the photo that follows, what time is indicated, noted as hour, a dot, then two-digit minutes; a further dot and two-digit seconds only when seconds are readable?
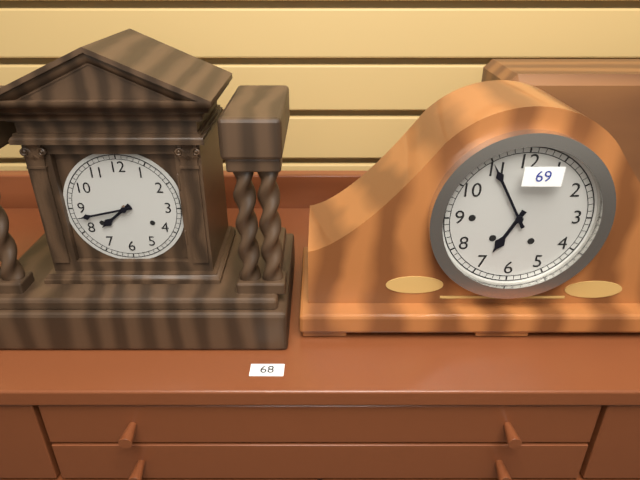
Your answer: 7.43
